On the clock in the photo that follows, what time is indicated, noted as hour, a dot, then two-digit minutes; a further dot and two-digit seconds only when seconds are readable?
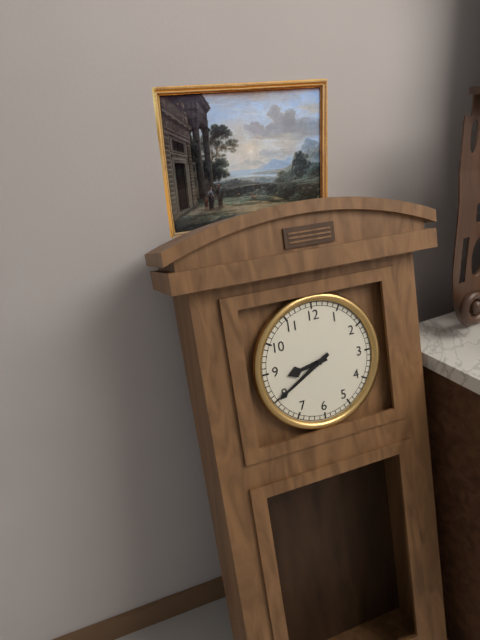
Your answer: 8.40
